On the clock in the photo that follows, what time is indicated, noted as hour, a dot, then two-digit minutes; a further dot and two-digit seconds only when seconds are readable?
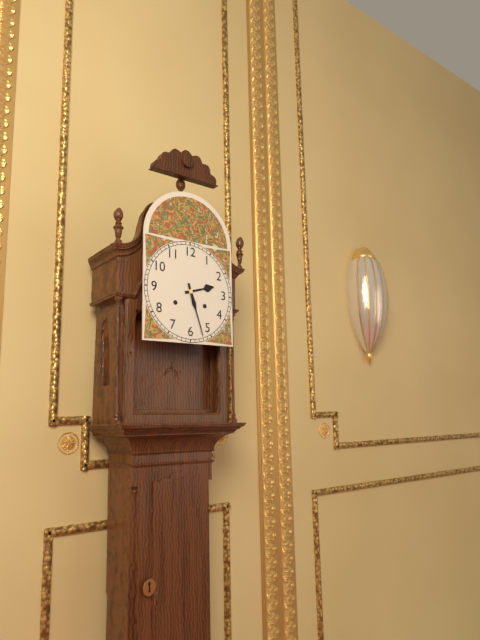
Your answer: 2.27
